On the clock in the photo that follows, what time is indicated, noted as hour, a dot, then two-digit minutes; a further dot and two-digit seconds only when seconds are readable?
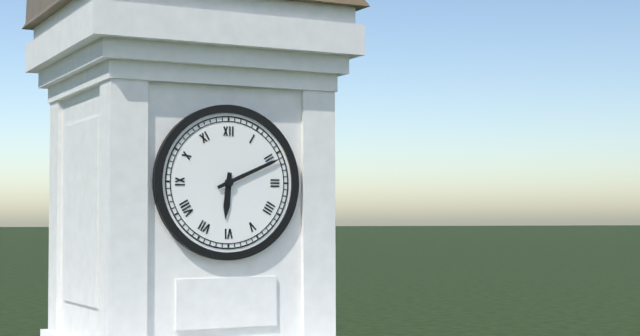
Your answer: 6.11
